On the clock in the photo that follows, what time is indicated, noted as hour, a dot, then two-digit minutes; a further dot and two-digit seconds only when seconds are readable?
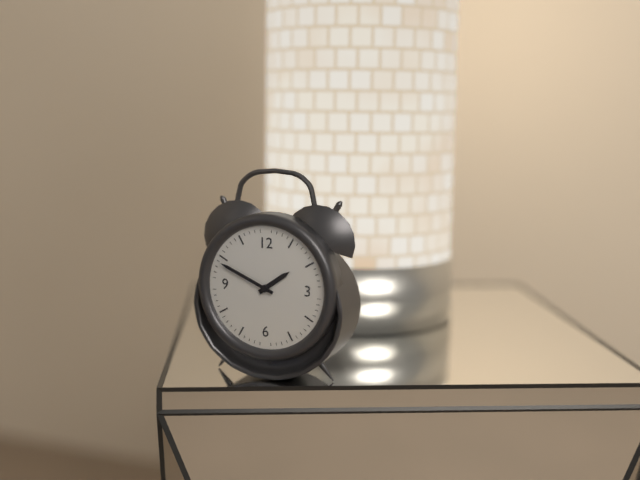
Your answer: 1.49
